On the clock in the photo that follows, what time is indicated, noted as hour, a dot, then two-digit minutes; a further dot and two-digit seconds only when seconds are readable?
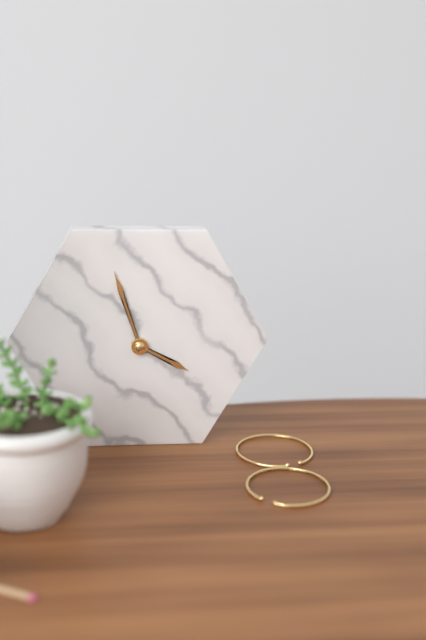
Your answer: 3.57
